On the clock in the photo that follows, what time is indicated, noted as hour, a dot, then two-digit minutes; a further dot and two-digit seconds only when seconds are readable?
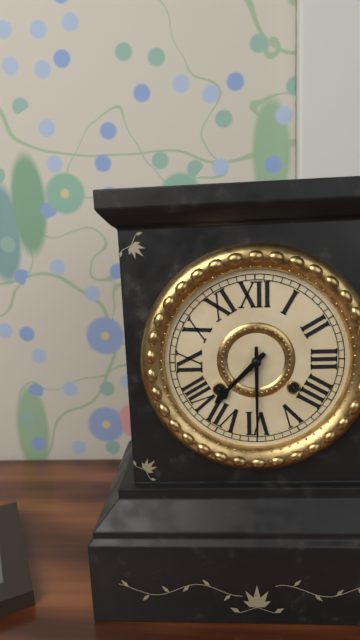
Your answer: 7.30
